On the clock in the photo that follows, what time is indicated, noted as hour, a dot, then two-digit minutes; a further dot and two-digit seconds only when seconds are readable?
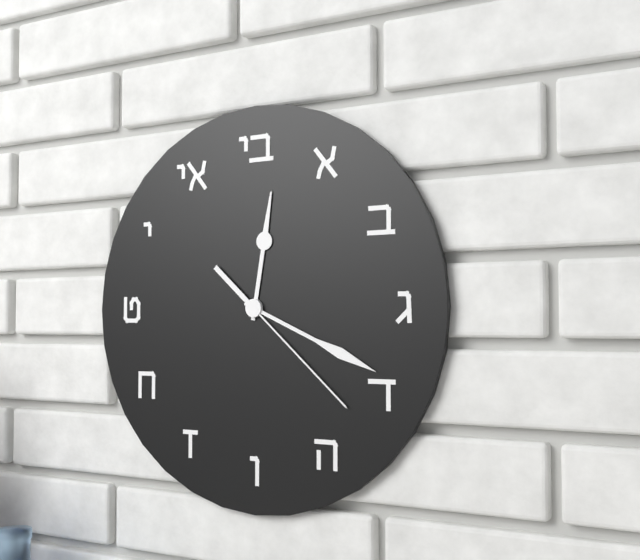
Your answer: 12.19.22
